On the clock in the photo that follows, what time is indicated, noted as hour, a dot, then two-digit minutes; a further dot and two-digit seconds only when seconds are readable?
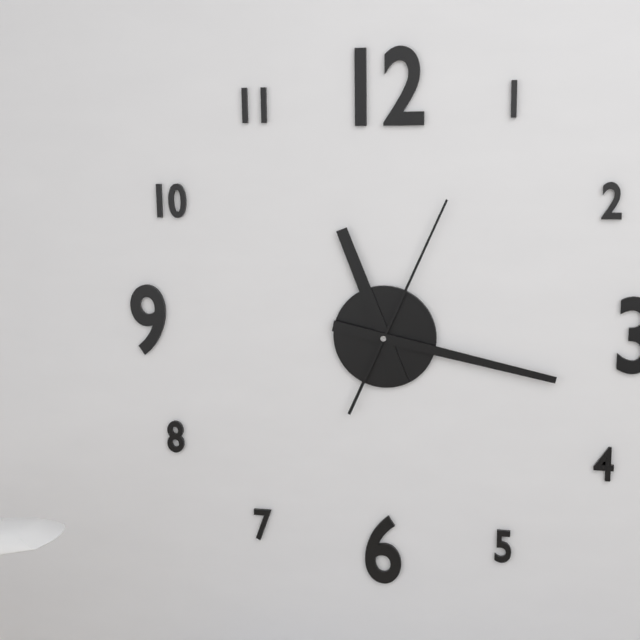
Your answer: 11.17.04
